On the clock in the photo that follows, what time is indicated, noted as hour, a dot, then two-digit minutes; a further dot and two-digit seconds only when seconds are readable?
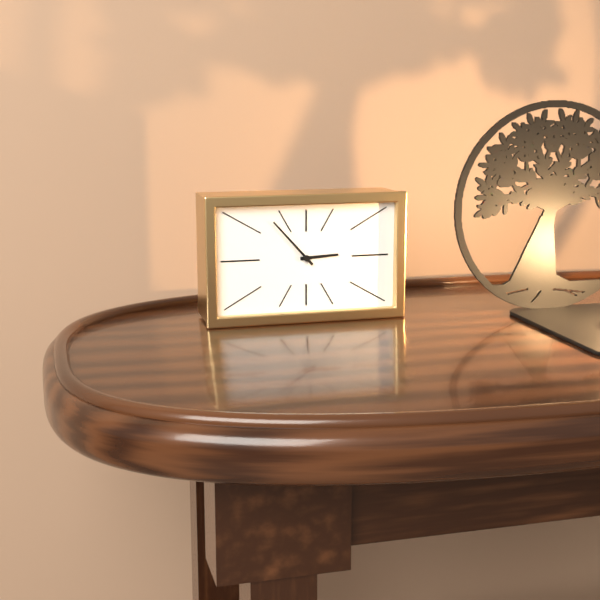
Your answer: 2.53
